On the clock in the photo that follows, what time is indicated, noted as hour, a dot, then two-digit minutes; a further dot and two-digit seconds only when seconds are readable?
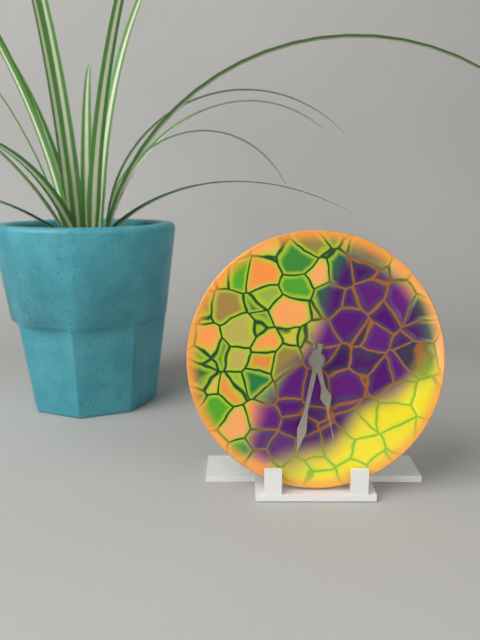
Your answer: 5.32.28
